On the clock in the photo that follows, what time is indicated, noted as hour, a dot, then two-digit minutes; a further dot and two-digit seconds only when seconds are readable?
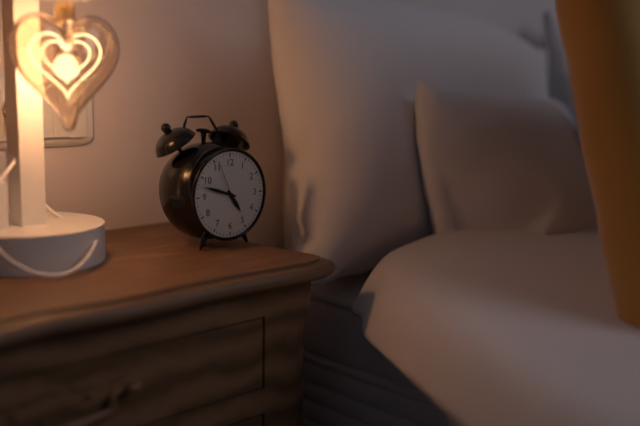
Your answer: 4.48
